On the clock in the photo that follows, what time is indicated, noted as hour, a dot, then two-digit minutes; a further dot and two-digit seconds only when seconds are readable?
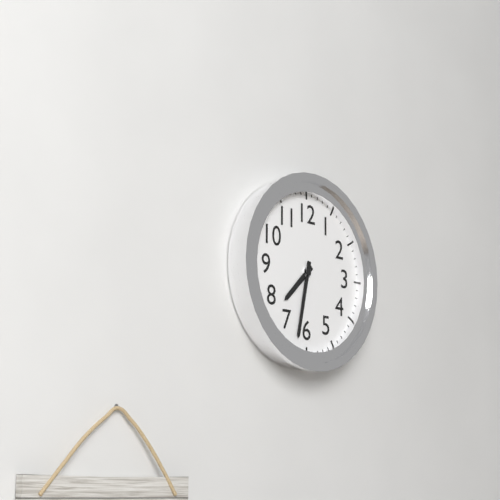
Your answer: 7.32
